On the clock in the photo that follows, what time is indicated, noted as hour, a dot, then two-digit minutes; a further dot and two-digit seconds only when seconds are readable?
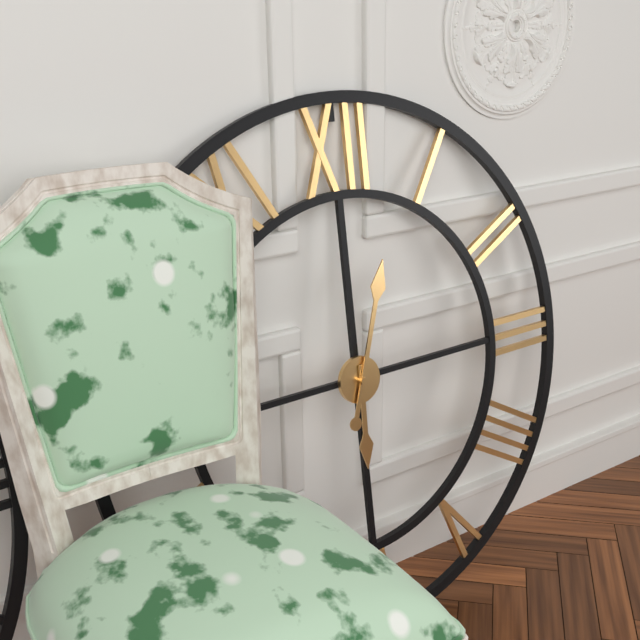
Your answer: 6.03
